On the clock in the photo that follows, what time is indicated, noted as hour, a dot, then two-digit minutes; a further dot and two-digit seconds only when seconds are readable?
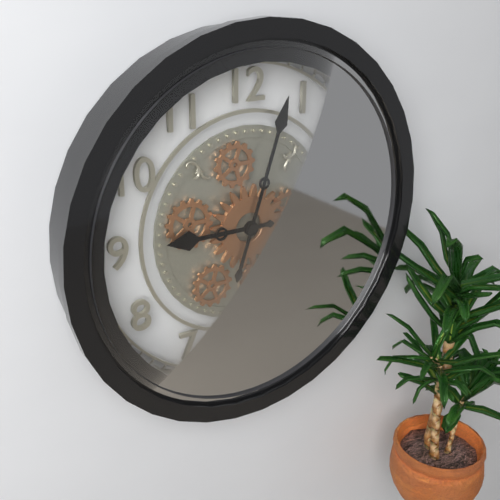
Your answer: 9.03
